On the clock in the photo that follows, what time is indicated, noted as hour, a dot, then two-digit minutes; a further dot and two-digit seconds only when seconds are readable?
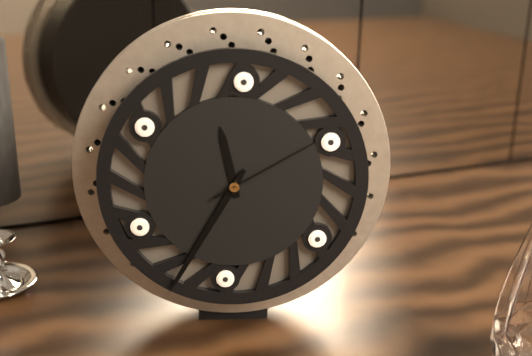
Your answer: 11.35.10
